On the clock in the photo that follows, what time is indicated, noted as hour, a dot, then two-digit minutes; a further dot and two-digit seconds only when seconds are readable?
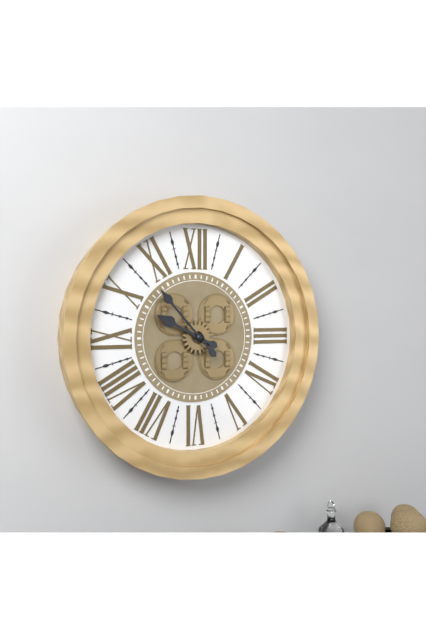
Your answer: 9.53
